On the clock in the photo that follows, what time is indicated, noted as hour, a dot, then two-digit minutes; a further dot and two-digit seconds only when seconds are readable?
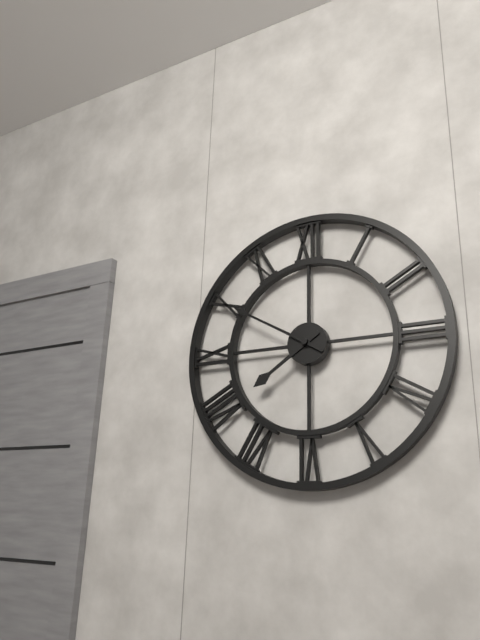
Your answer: 7.50
